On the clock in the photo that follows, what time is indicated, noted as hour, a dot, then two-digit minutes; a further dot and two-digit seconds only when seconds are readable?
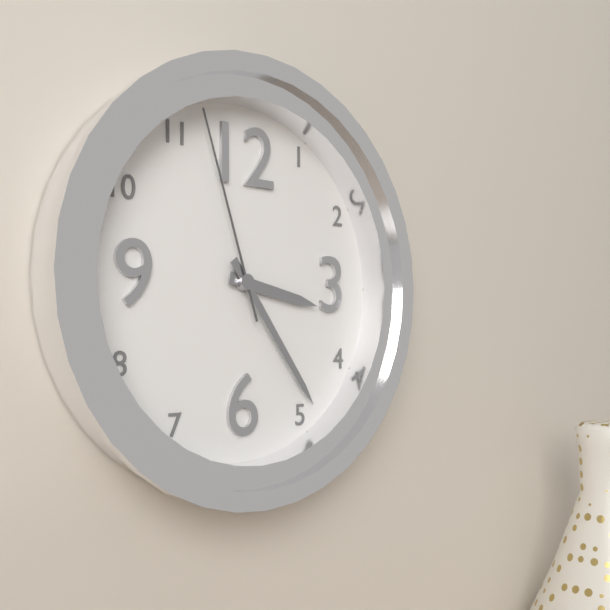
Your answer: 3.24.57
